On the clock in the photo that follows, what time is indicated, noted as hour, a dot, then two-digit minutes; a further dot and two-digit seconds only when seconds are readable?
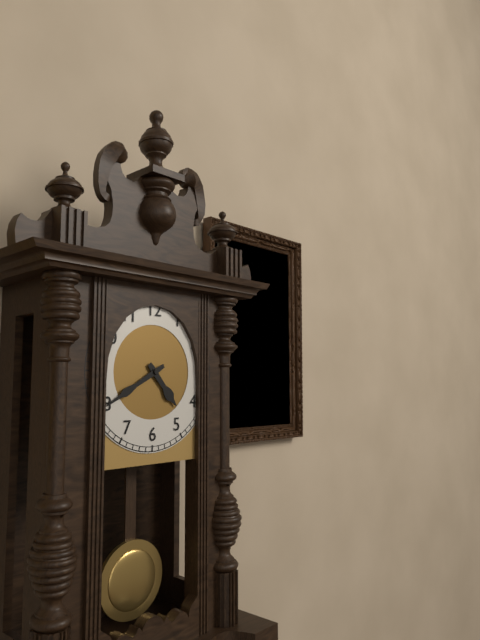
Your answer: 4.40
